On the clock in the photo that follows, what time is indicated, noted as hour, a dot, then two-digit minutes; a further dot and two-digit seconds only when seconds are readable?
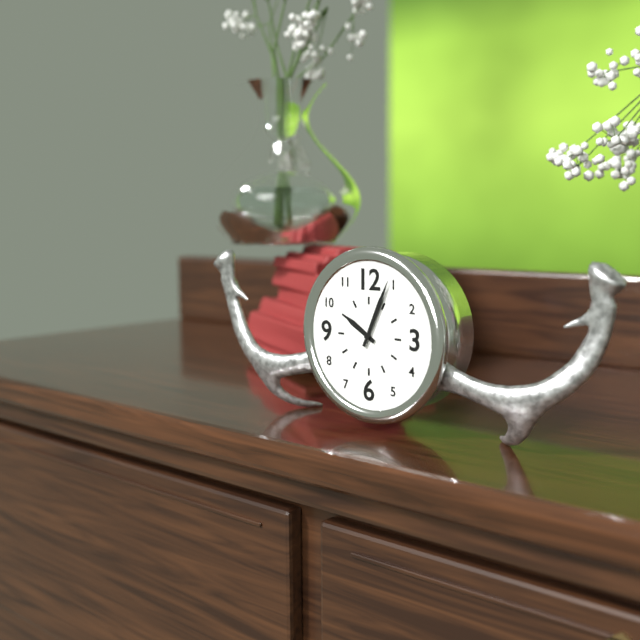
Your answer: 10.04
